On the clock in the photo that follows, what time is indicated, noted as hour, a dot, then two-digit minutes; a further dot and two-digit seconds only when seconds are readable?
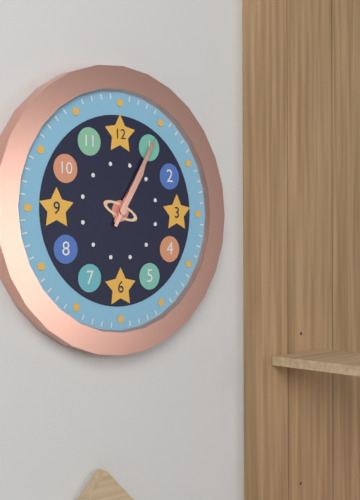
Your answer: 1.05
